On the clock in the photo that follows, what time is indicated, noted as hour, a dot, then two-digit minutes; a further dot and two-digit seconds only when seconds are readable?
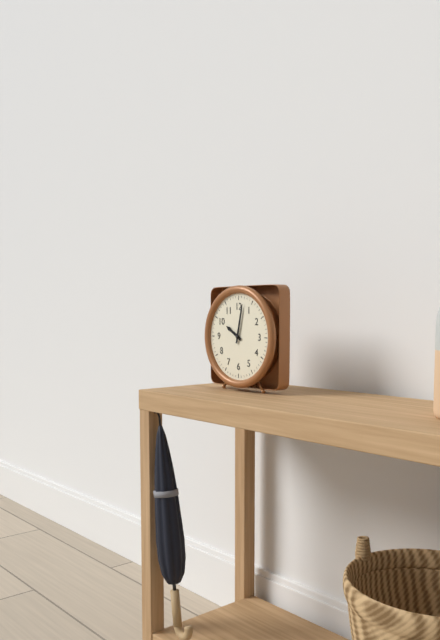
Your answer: 10.02
